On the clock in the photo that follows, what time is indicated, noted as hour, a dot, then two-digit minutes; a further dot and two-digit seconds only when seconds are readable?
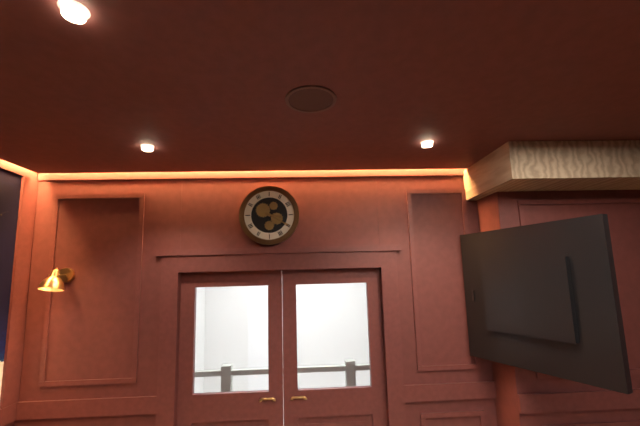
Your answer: 3.20
